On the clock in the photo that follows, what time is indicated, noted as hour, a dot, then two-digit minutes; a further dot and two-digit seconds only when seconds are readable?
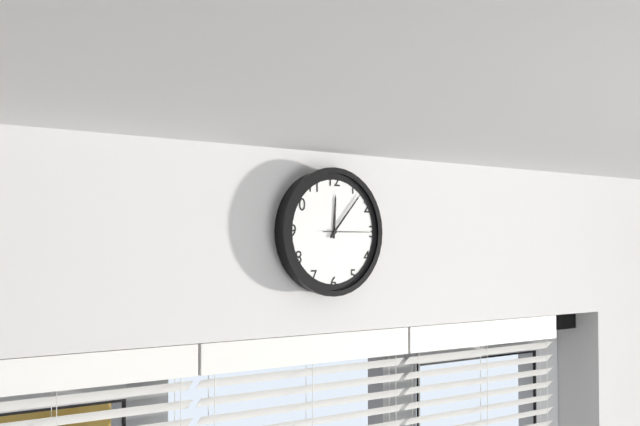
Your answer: 12.07
